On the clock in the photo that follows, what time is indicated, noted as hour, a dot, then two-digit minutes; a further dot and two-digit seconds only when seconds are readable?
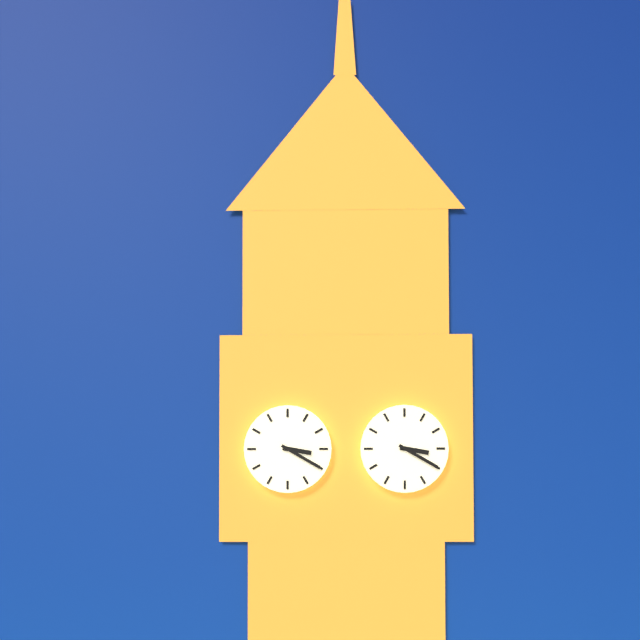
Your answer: 3.20
